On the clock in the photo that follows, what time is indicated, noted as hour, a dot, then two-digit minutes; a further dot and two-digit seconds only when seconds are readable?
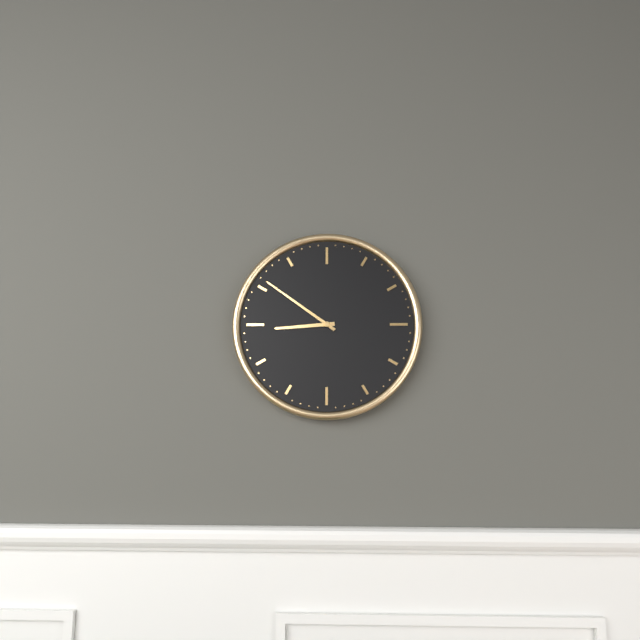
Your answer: 8.51
